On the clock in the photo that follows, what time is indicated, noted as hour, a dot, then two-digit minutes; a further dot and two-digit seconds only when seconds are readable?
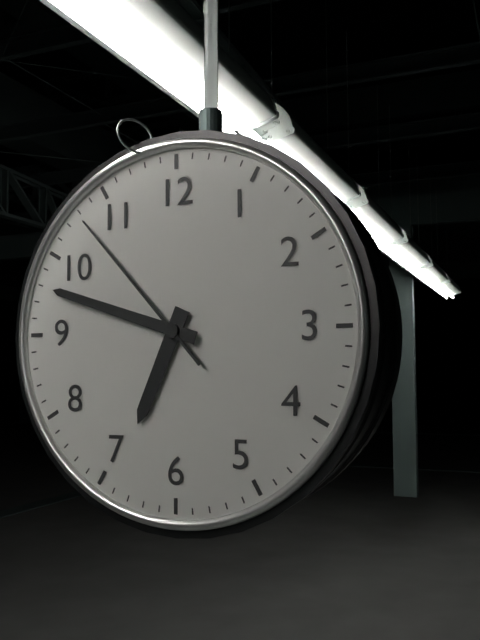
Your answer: 6.48.53
